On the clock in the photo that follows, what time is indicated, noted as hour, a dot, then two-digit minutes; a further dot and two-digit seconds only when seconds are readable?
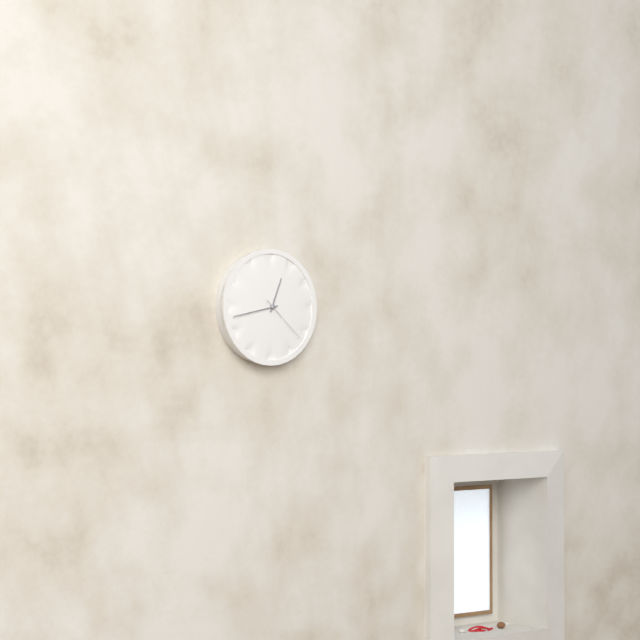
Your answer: 12.43.22
